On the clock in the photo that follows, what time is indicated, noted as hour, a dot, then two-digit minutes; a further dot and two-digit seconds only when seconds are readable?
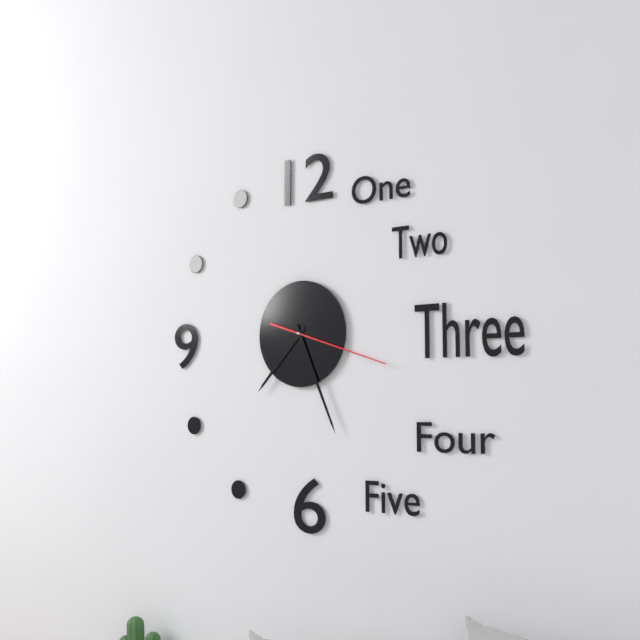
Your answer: 7.26.18
